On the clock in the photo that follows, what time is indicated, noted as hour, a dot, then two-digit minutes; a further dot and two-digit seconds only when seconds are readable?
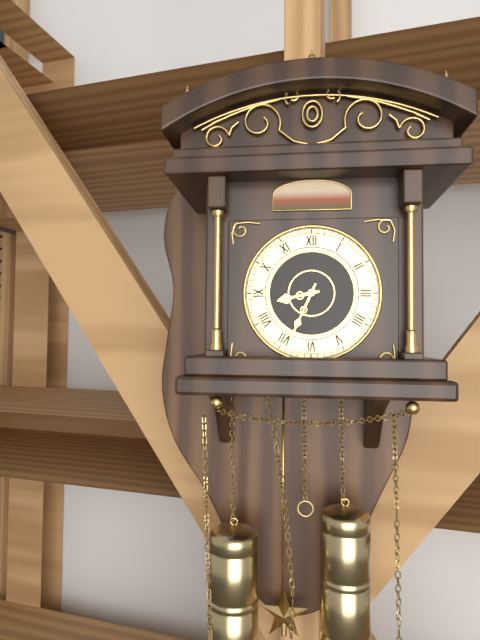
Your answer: 8.34
